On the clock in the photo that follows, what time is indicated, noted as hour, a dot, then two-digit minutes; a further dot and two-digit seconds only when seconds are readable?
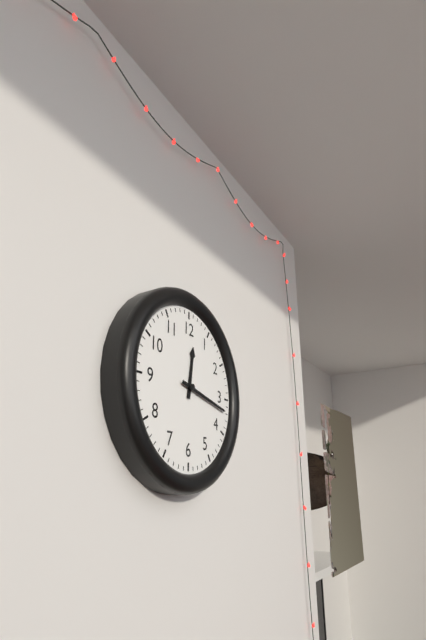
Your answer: 12.17
